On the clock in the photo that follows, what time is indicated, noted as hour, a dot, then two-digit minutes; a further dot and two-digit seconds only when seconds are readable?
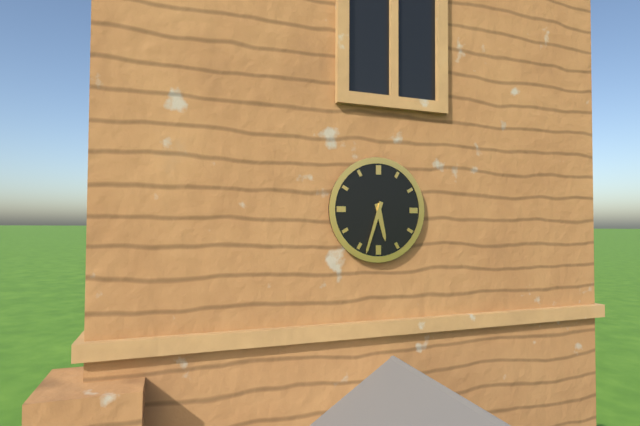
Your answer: 5.33
